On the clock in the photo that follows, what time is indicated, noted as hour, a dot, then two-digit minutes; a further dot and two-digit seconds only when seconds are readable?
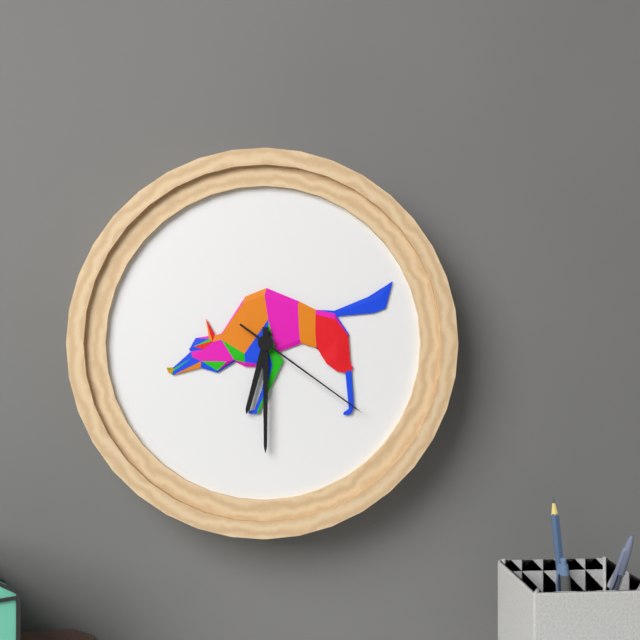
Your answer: 6.30.21
